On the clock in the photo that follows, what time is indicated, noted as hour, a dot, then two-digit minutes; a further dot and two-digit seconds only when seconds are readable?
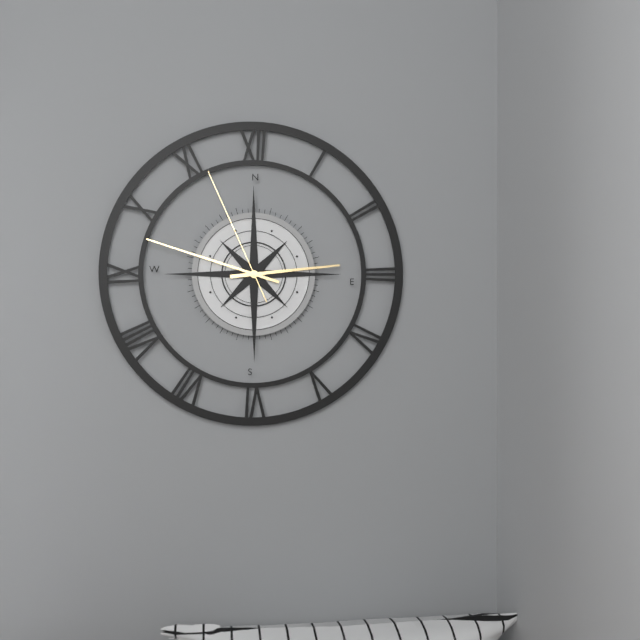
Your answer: 2.48.56
